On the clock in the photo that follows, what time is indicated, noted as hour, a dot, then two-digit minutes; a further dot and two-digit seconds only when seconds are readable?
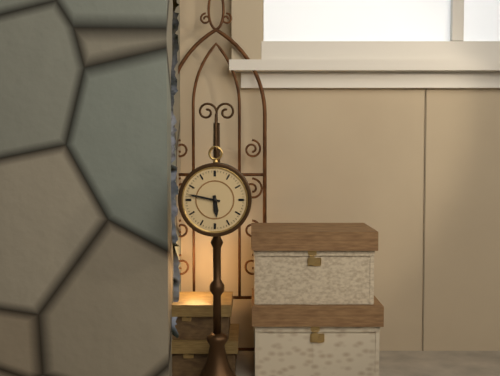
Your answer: 5.47
